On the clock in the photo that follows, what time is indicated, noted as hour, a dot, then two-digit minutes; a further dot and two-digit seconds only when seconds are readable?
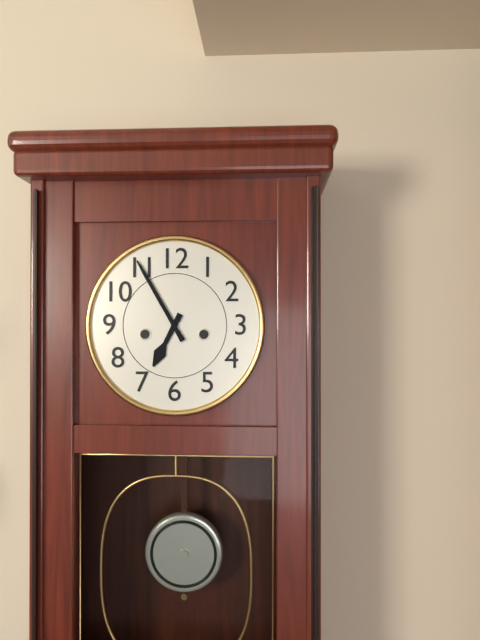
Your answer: 6.55
